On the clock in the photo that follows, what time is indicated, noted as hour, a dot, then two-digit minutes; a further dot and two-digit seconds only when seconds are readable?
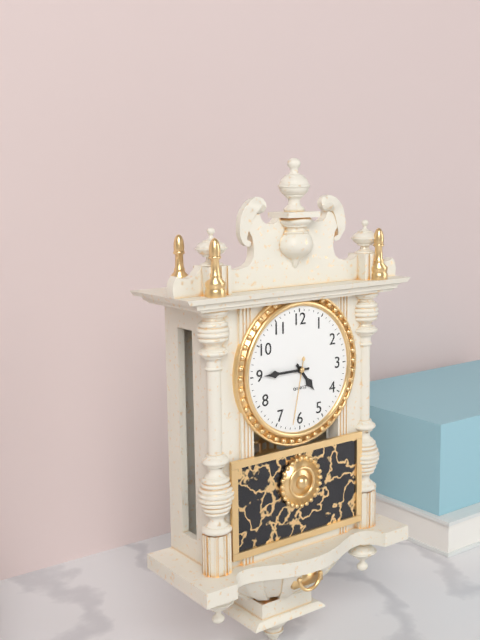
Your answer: 4.45.32
